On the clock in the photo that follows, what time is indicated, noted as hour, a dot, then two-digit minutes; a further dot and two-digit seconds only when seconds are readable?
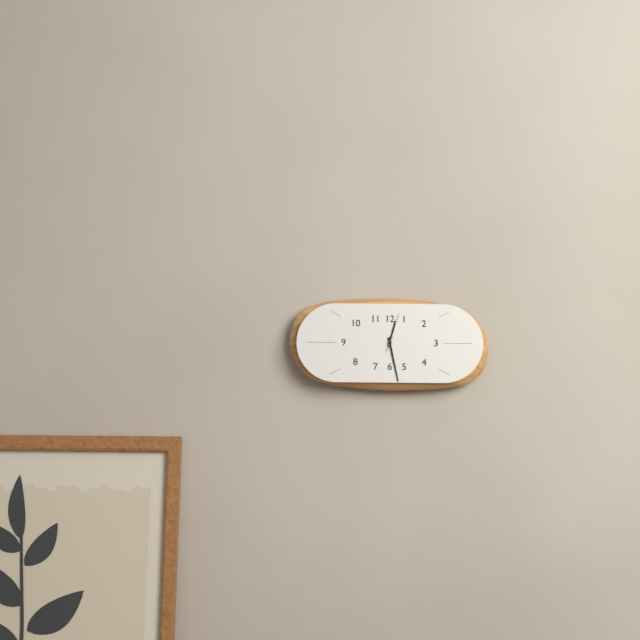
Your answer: 12.28
